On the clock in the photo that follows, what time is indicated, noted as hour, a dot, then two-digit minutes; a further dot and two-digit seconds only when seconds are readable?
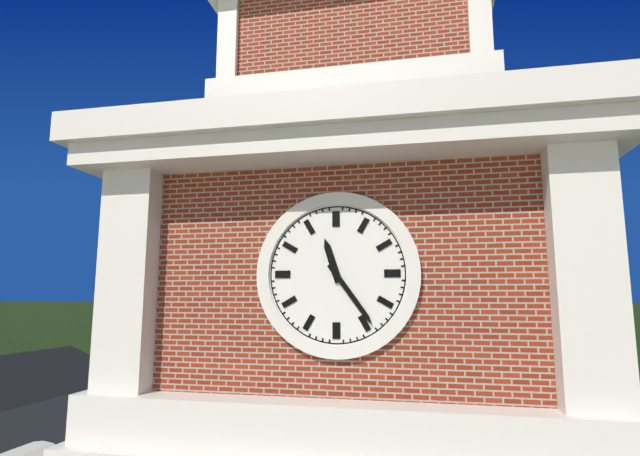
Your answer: 11.24
